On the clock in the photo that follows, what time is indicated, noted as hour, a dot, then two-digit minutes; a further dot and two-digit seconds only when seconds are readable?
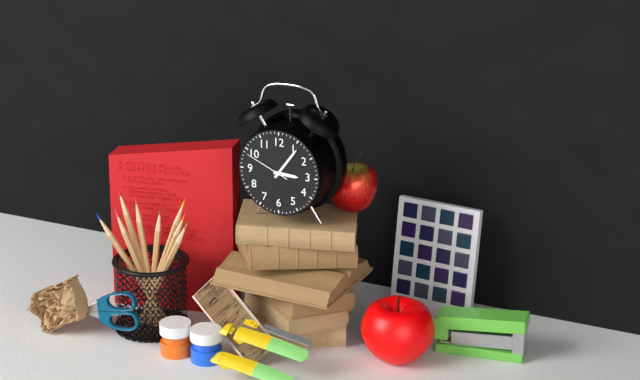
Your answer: 3.06
